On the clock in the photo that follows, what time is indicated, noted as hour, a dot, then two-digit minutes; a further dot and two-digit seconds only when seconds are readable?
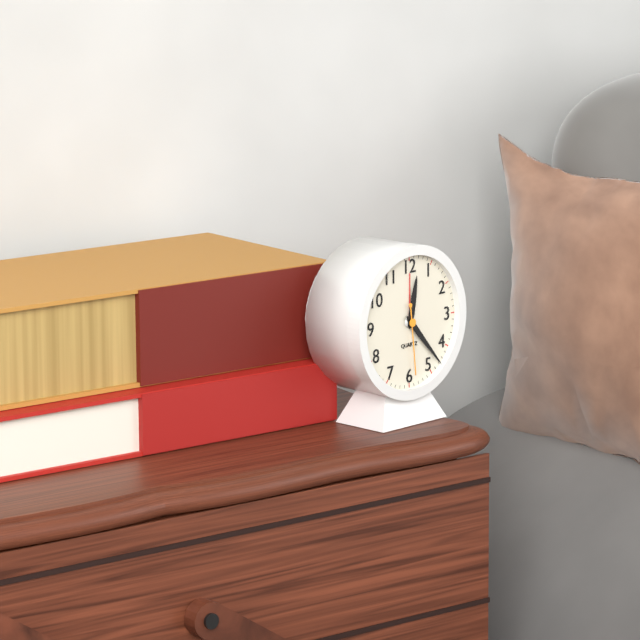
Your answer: 12.23.29
